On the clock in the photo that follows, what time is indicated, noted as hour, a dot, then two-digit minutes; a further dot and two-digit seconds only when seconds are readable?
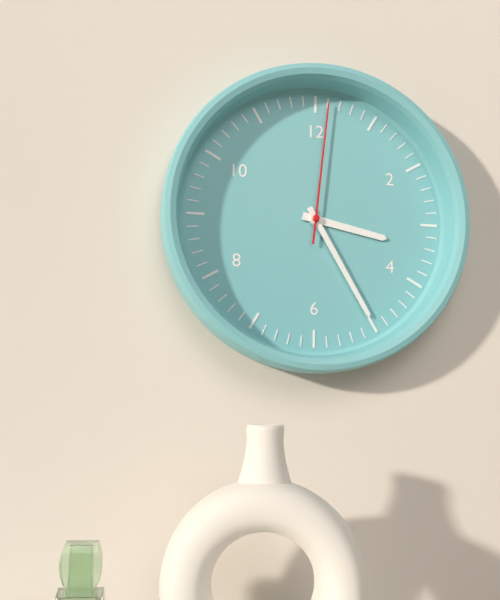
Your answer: 3.25.01
